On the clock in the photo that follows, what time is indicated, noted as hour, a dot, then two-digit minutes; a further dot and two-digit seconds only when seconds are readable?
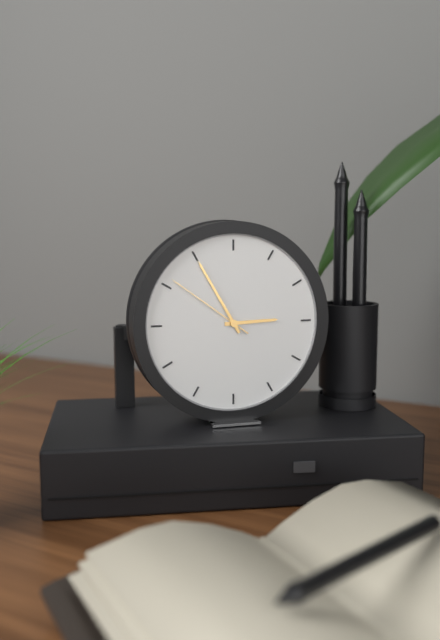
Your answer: 2.55.51
